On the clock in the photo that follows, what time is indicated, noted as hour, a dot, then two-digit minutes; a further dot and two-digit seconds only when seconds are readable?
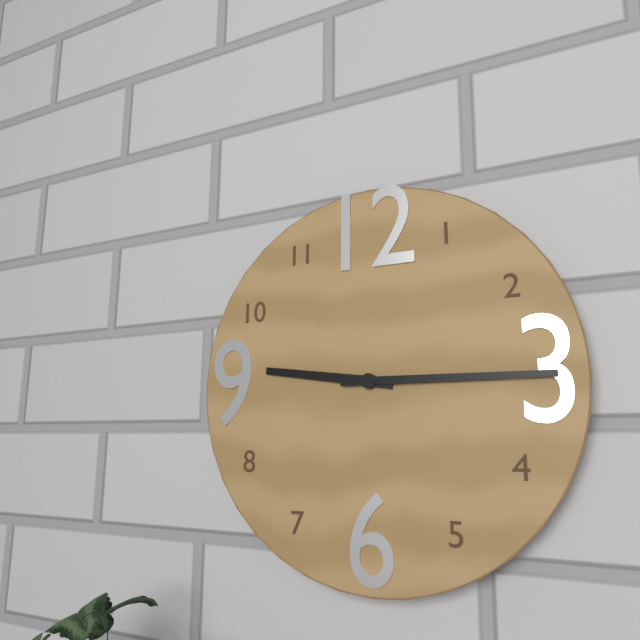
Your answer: 9.15
